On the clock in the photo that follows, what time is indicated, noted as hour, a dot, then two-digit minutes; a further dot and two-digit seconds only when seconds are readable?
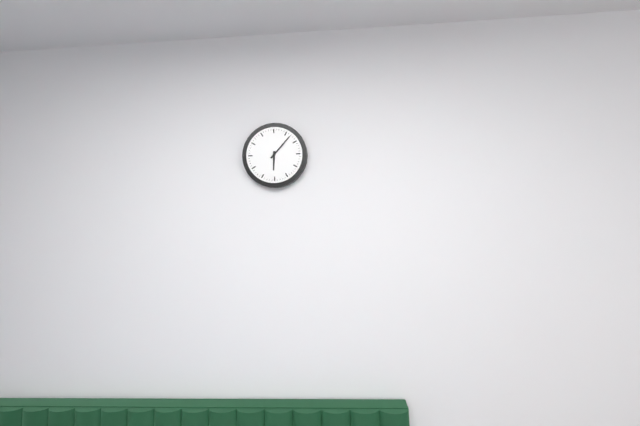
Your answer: 6.07
